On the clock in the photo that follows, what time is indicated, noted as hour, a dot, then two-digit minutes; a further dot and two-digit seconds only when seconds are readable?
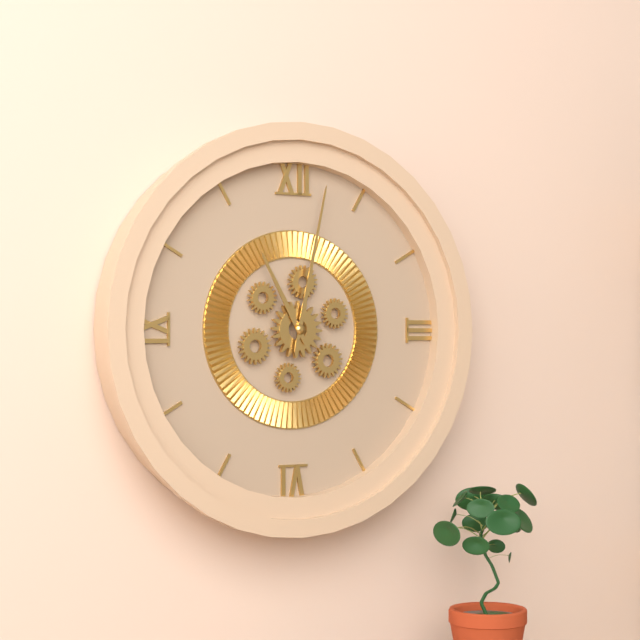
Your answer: 11.02
